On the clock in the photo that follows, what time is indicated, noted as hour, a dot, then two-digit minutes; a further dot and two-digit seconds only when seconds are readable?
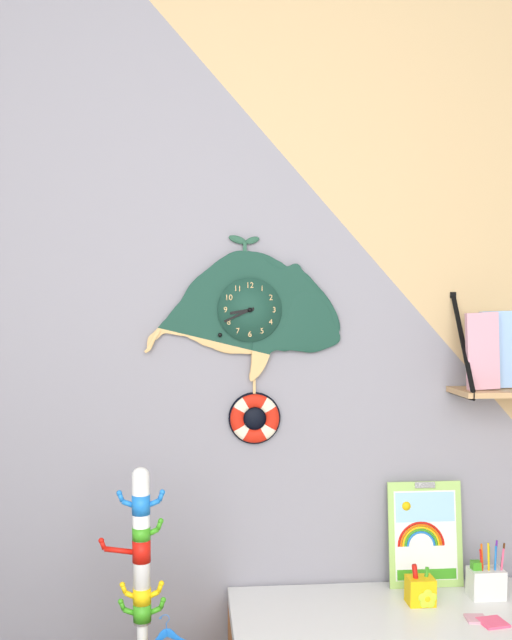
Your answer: 8.41
